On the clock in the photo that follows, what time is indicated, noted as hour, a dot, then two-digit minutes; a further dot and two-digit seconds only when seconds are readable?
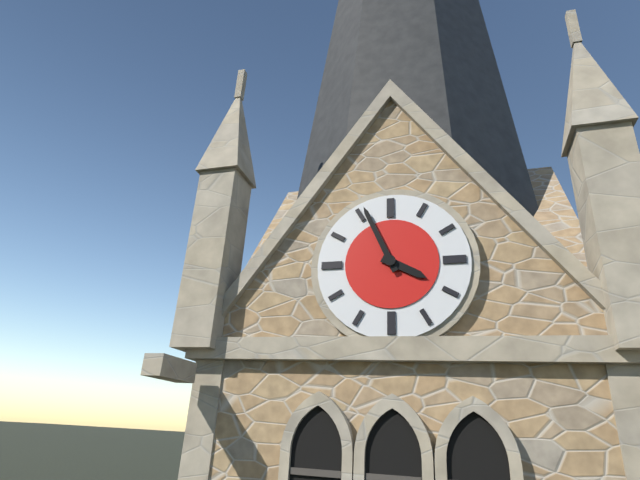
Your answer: 3.56
